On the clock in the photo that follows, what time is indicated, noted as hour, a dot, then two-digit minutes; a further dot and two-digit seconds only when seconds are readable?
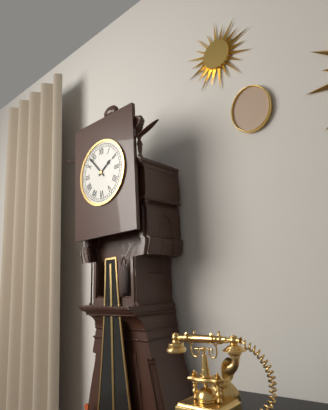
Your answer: 1.53
